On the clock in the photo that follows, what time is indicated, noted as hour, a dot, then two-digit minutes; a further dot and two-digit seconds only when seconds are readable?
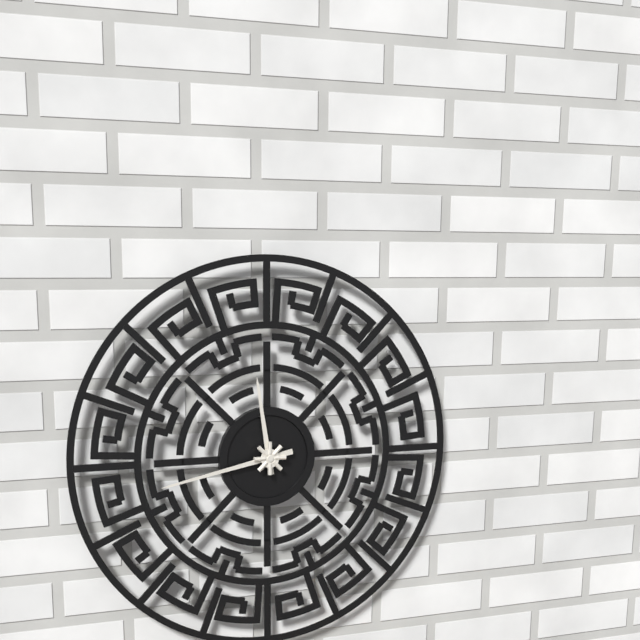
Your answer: 11.43
